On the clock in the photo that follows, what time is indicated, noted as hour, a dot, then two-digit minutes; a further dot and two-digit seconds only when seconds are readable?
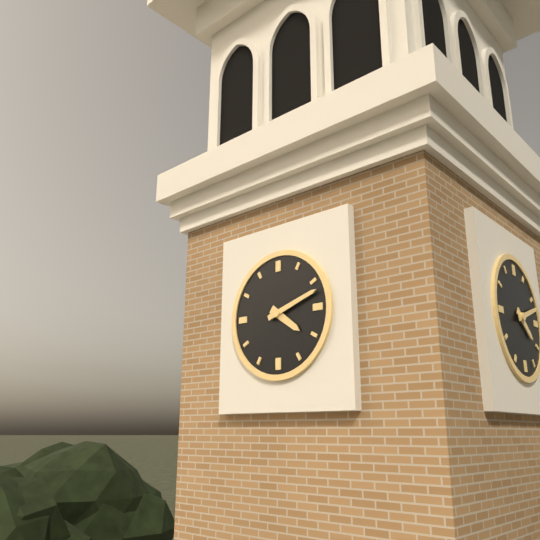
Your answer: 4.12
